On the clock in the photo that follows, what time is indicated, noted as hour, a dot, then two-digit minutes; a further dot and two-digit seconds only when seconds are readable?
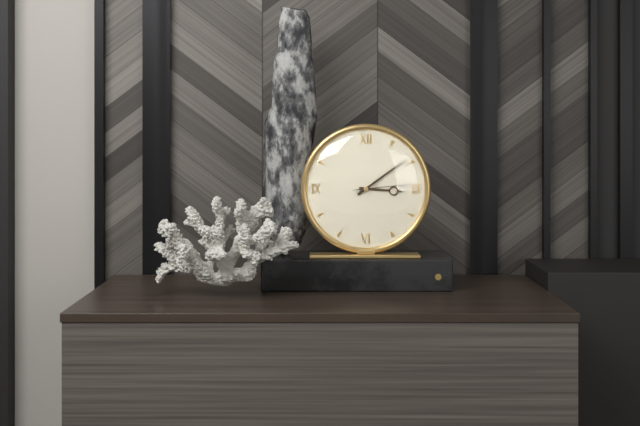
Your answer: 3.09.14
